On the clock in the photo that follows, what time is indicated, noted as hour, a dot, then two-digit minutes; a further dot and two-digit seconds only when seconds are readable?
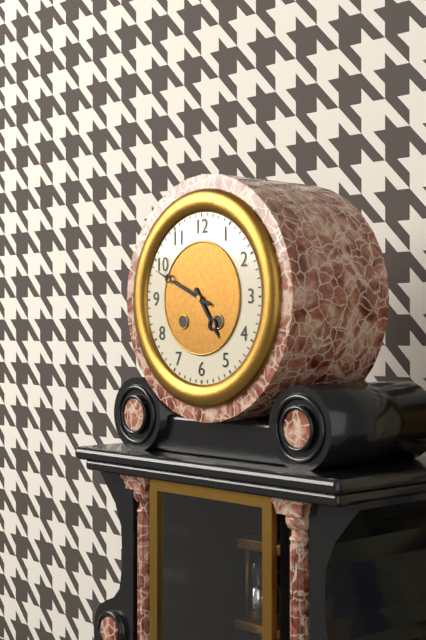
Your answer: 4.49
